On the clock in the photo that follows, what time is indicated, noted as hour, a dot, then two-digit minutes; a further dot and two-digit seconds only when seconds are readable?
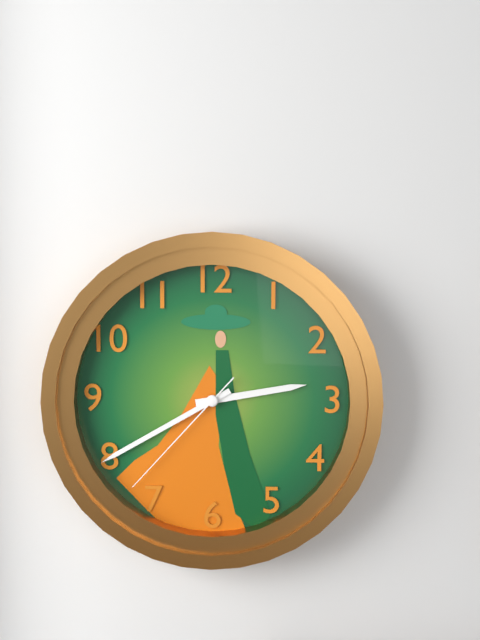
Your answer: 2.40.37
